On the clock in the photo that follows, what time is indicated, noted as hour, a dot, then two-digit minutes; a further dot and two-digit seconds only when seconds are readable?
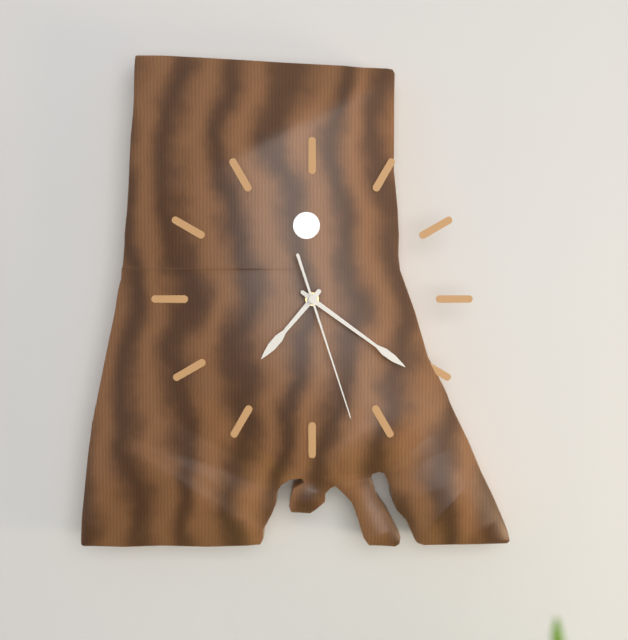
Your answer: 7.21.27
